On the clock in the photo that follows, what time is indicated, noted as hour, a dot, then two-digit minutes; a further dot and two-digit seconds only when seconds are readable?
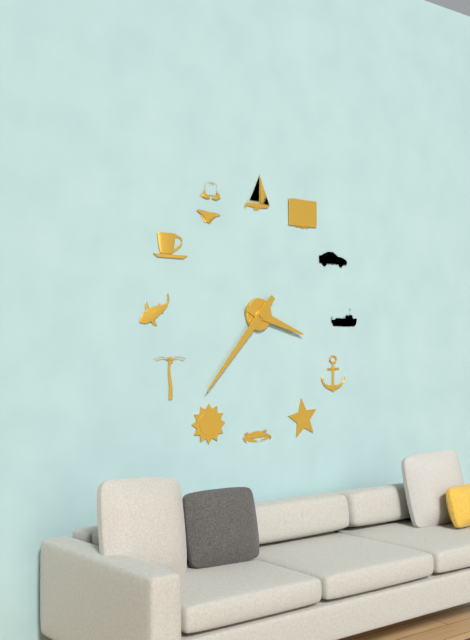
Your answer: 3.37
